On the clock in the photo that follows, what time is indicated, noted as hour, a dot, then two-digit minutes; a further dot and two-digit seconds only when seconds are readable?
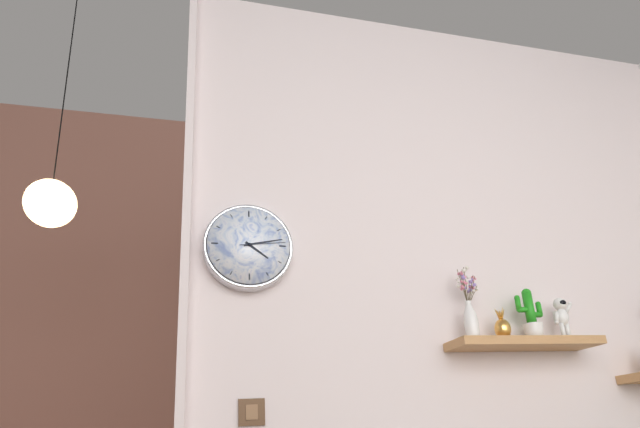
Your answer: 4.13
